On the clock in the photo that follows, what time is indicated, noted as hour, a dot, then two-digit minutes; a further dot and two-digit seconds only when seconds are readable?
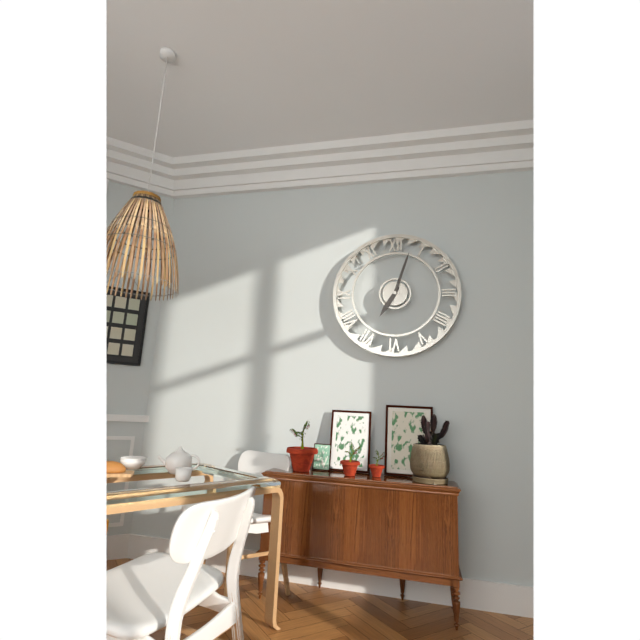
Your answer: 7.03
